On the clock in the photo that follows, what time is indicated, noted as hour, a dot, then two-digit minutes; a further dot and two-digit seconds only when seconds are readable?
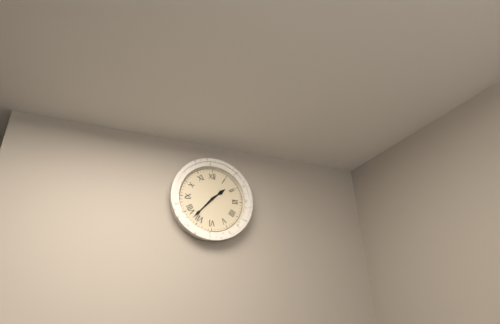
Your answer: 1.37
